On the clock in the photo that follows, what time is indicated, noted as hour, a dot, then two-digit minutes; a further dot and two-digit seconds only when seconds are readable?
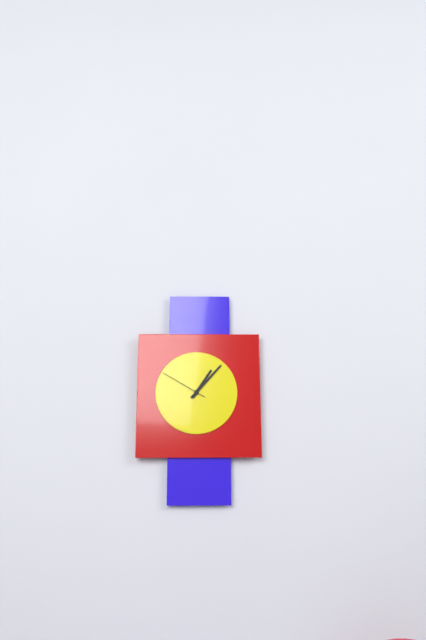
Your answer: 1.07
